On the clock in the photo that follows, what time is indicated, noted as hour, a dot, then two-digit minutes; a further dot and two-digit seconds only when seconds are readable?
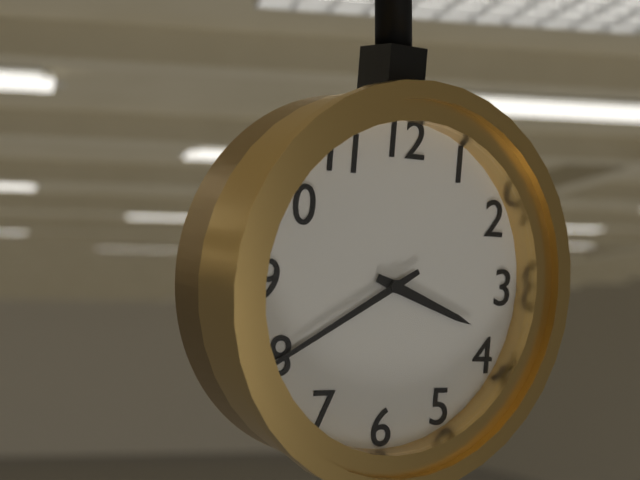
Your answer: 3.40
